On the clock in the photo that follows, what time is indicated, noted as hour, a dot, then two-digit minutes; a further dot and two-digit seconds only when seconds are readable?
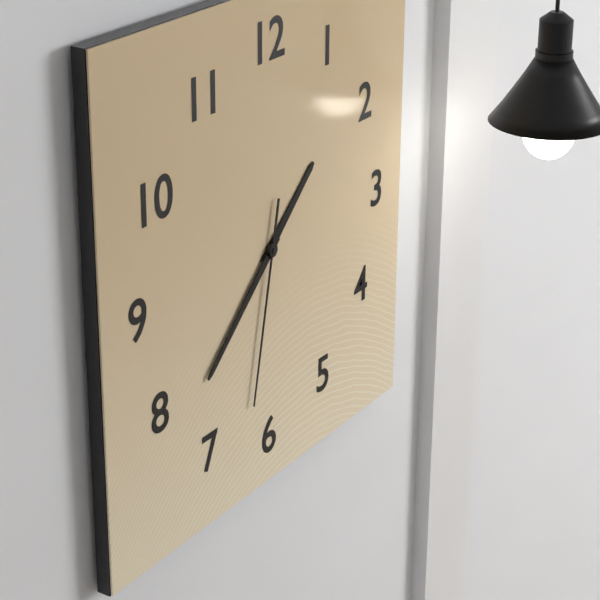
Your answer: 1.38.32
